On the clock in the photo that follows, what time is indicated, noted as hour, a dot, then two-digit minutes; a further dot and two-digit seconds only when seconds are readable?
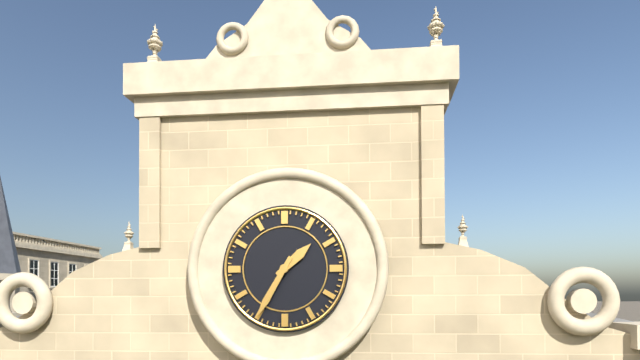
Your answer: 1.35
